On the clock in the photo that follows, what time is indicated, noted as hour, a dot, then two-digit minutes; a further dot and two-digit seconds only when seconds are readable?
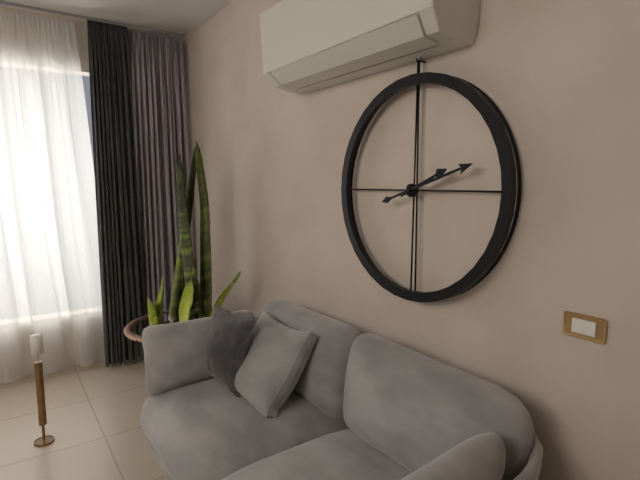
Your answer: 2.12
